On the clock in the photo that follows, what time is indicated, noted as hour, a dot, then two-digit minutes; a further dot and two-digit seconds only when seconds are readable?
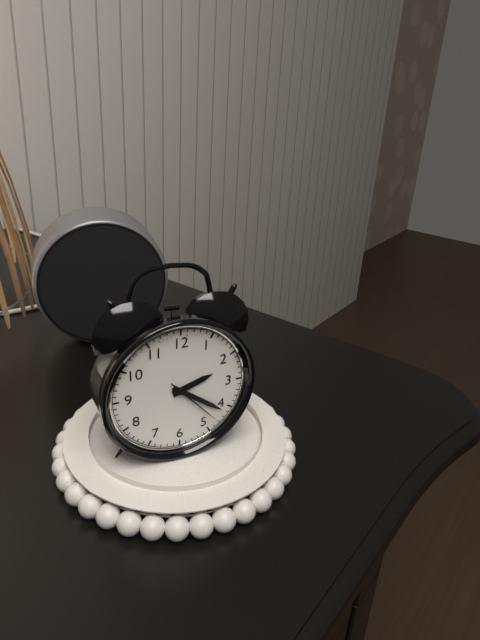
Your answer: 2.21.23
